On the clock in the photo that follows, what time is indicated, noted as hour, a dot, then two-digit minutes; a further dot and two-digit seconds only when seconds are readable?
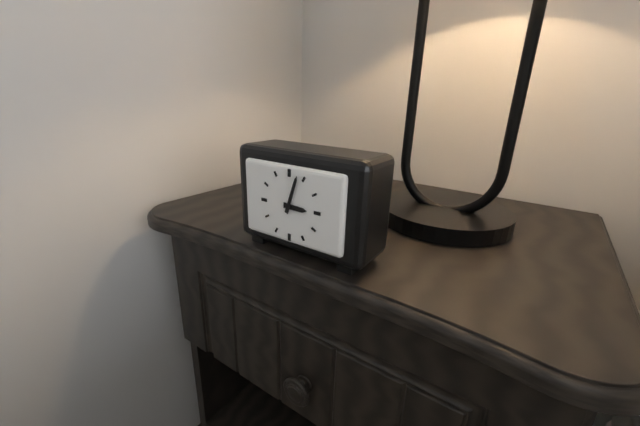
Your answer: 3.03
